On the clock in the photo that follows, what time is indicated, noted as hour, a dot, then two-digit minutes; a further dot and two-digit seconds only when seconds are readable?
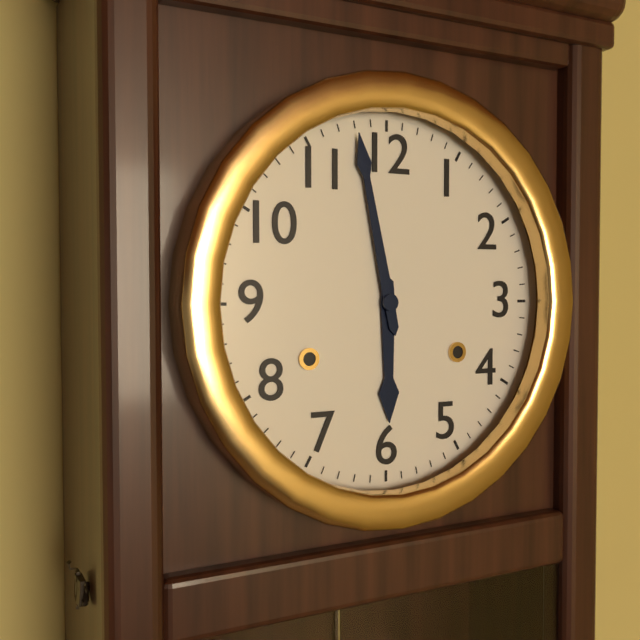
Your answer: 5.58
